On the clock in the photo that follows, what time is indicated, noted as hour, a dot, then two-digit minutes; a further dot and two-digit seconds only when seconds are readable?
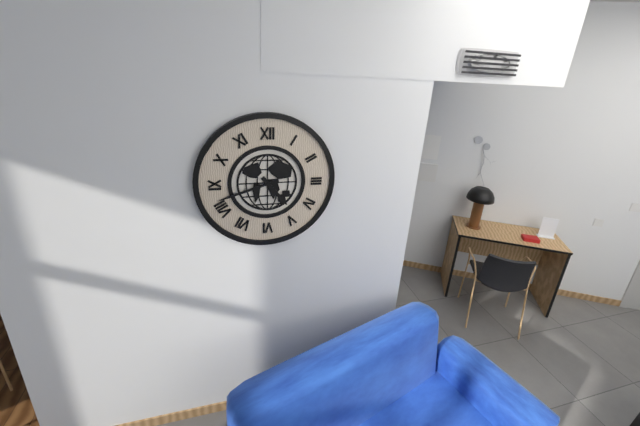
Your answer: 4.42
